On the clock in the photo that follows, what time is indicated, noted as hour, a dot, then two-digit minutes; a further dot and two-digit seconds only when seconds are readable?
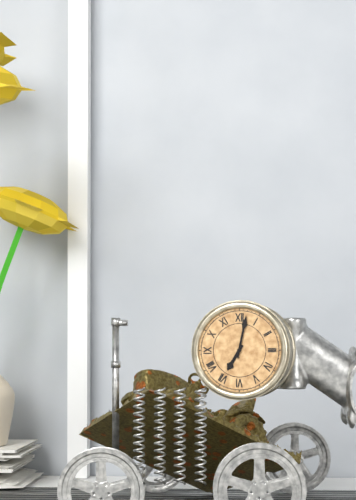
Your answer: 7.02
